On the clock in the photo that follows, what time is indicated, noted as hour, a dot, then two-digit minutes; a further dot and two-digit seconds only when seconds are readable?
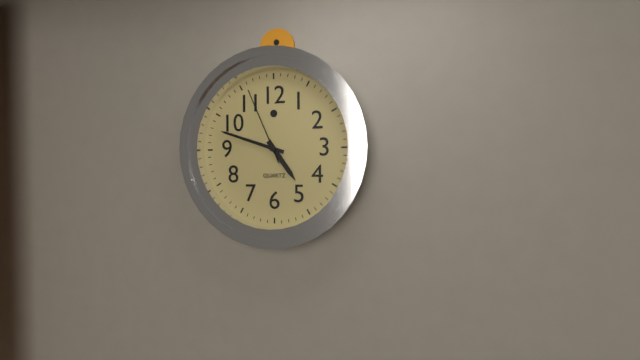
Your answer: 4.48.56
